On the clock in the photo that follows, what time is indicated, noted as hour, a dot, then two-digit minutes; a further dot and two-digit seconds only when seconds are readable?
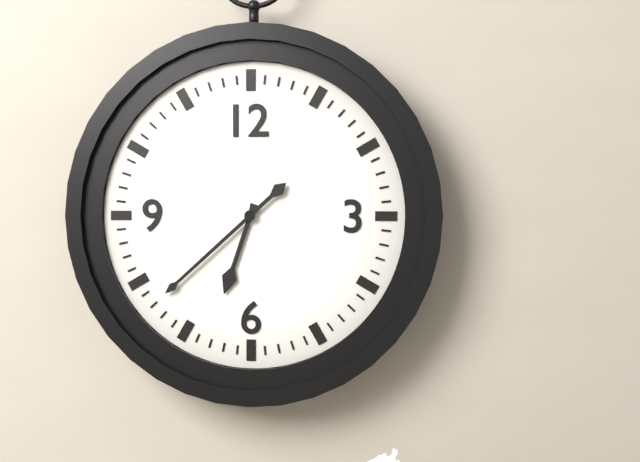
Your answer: 6.38
